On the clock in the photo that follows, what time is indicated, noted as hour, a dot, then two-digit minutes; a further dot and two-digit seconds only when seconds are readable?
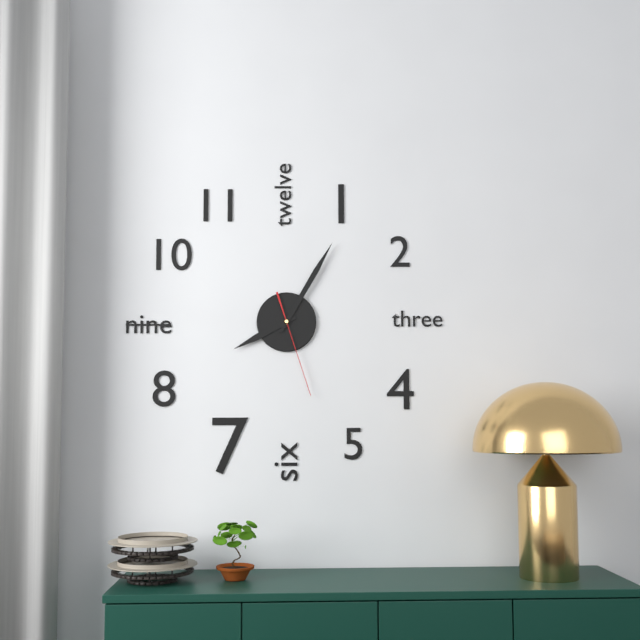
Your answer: 8.05.27
